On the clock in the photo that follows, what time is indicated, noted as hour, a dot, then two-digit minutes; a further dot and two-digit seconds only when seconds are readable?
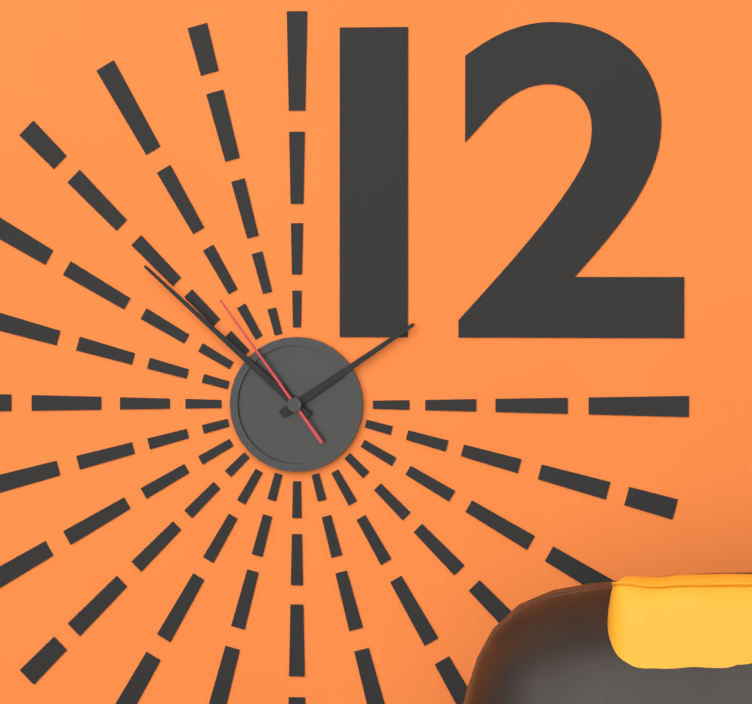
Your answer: 1.52.54
